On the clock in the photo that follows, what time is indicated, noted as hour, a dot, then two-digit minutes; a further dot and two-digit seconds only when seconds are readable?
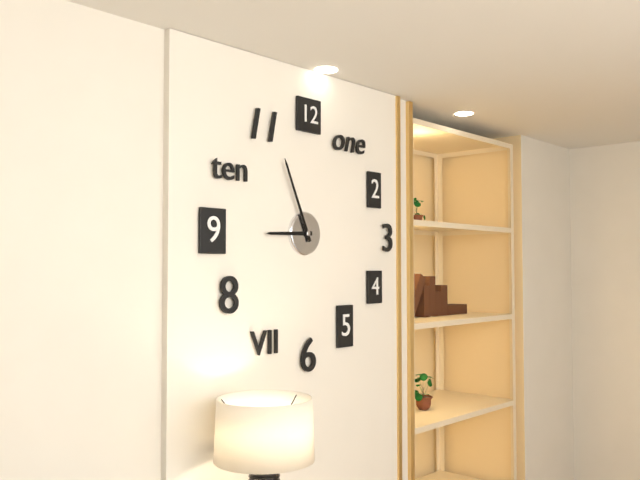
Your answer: 8.56
